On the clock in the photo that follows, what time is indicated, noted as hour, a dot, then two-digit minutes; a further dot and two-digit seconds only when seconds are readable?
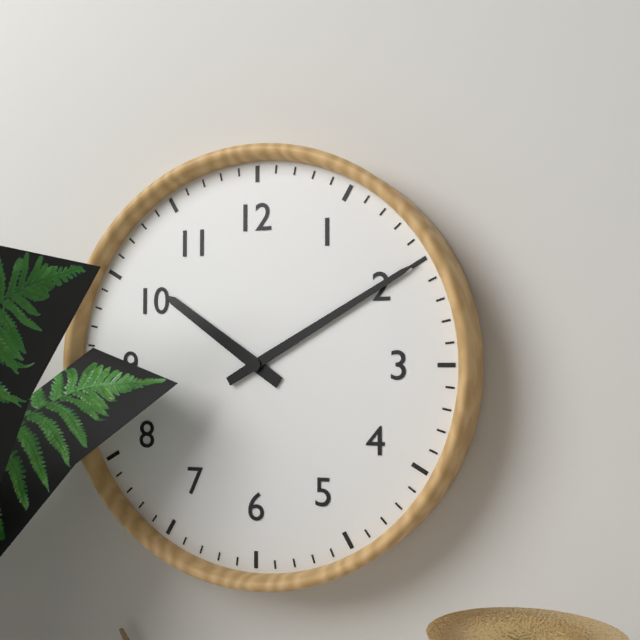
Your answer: 10.10
